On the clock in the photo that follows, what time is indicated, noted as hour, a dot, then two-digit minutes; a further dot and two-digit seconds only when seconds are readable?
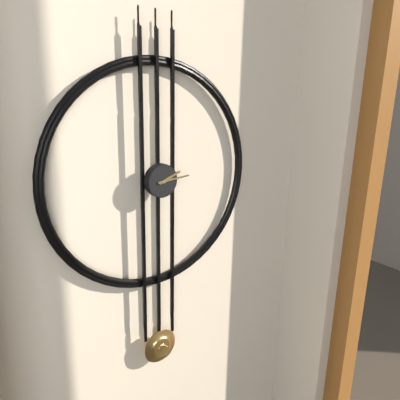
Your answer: 2.14
